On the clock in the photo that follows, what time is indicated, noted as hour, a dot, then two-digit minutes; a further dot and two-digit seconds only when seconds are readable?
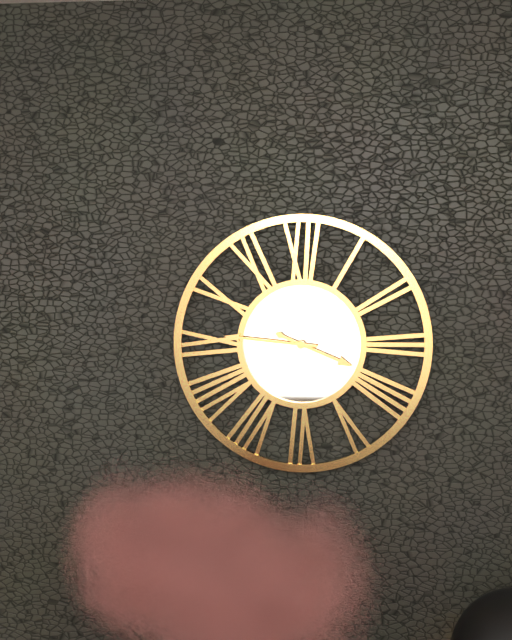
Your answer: 3.46
